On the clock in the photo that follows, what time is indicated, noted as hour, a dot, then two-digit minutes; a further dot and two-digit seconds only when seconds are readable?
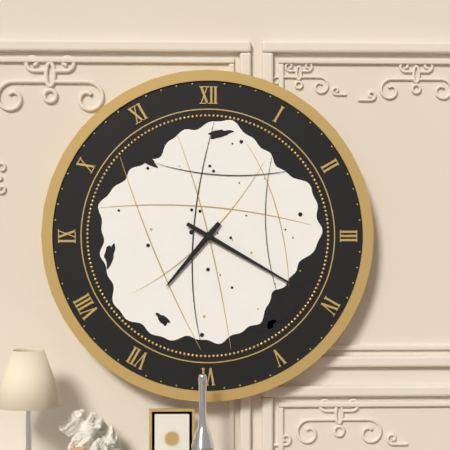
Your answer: 7.20
